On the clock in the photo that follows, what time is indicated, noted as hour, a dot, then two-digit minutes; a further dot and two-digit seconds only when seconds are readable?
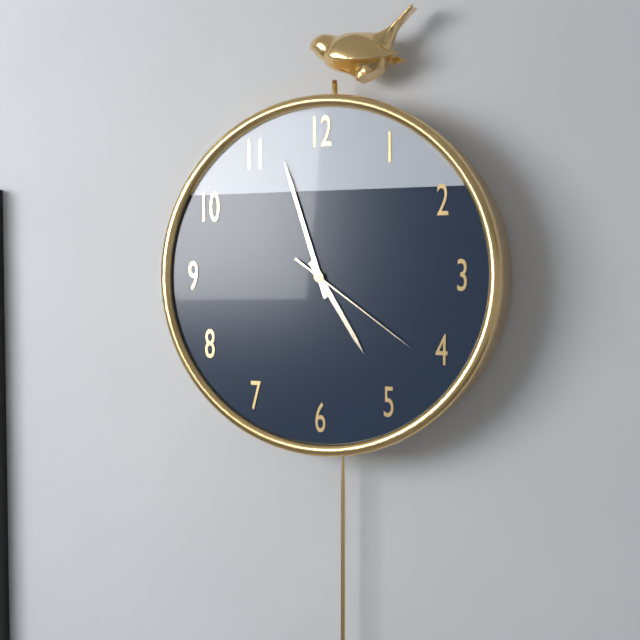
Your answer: 4.57.21
